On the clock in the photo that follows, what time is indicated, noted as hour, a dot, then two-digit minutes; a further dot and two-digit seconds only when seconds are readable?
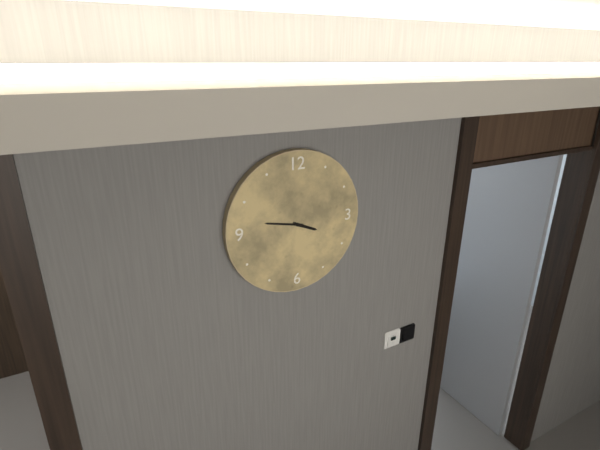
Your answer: 3.47
